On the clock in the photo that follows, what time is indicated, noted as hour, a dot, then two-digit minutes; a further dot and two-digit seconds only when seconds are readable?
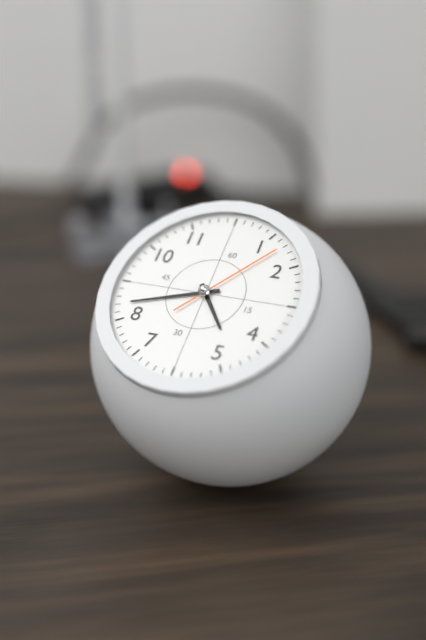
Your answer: 4.42.07
